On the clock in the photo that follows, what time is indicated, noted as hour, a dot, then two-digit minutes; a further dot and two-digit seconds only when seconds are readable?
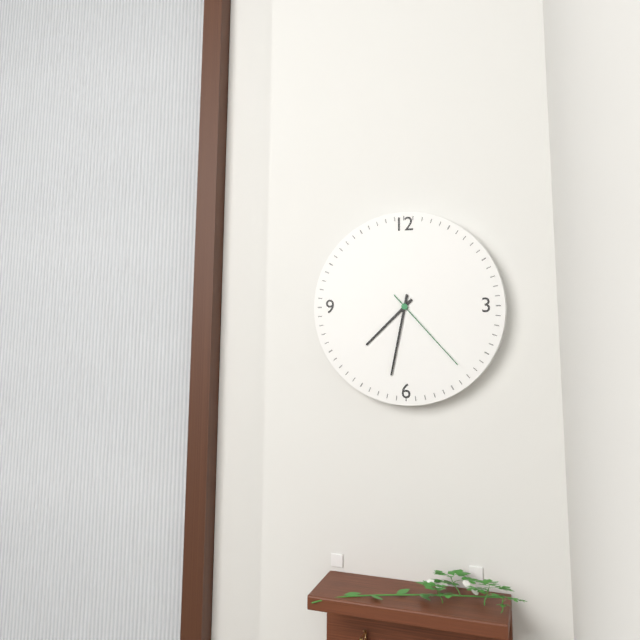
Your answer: 7.32.23
